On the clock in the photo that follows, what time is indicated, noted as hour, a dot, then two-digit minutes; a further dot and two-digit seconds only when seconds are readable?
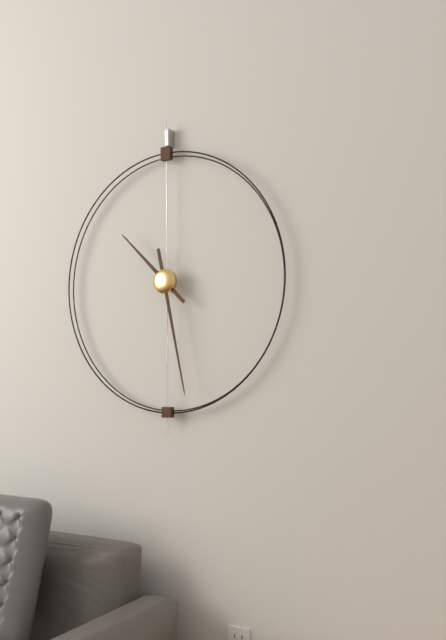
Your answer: 10.28
